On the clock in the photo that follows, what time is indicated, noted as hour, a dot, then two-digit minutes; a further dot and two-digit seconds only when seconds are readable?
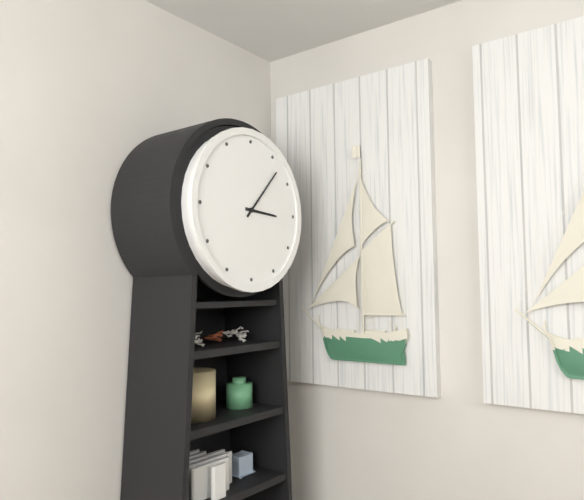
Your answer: 3.07
